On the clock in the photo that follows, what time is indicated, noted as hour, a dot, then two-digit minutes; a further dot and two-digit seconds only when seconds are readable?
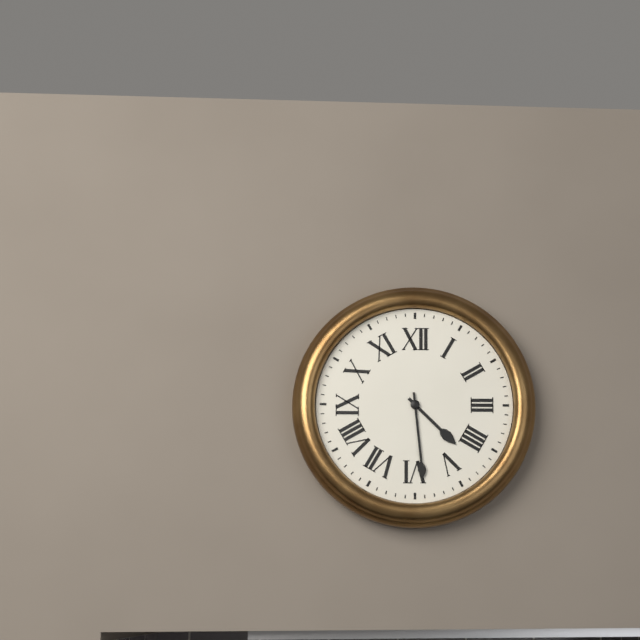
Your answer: 4.29
